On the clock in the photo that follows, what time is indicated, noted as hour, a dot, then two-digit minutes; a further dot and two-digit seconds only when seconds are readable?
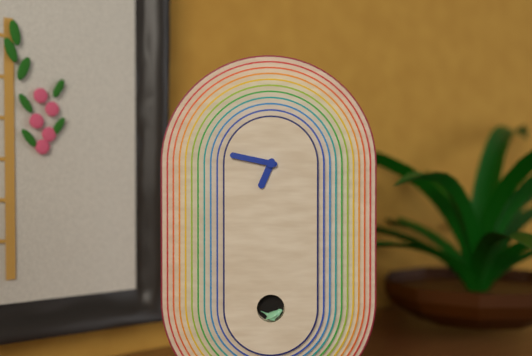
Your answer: 6.47
